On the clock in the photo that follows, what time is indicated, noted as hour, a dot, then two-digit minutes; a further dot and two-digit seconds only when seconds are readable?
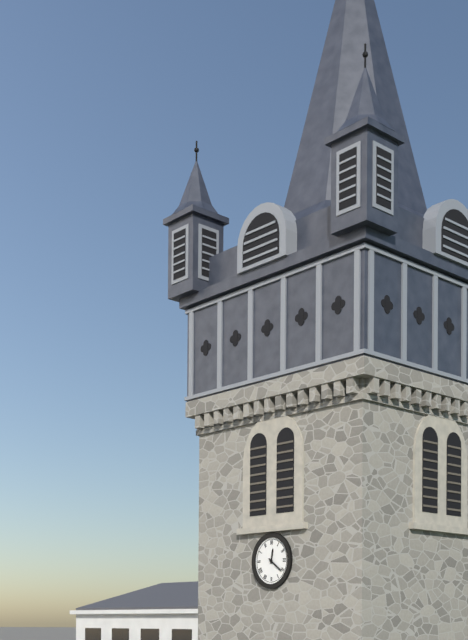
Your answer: 12.21
